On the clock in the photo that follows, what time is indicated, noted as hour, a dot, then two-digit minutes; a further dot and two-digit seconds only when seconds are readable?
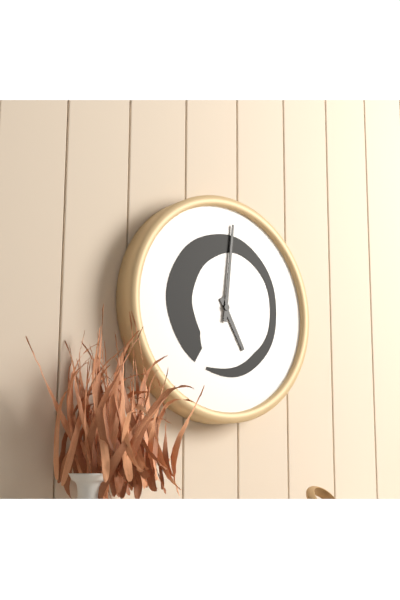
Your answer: 5.01
